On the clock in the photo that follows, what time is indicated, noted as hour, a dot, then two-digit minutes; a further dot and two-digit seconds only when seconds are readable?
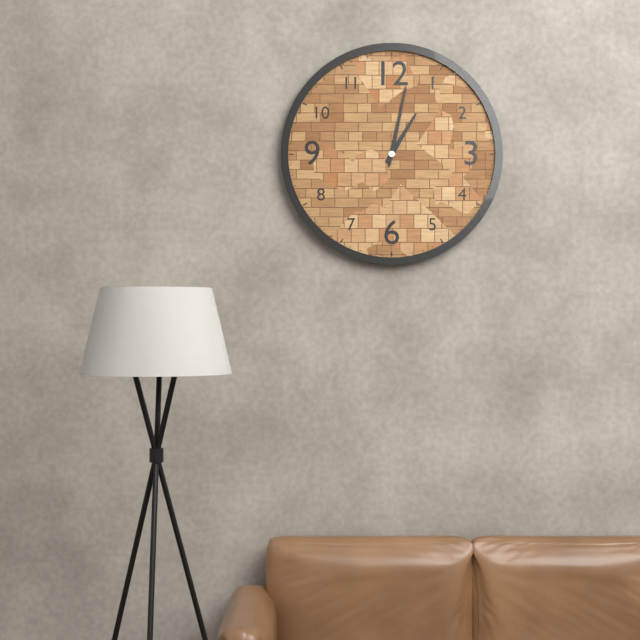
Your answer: 1.02
